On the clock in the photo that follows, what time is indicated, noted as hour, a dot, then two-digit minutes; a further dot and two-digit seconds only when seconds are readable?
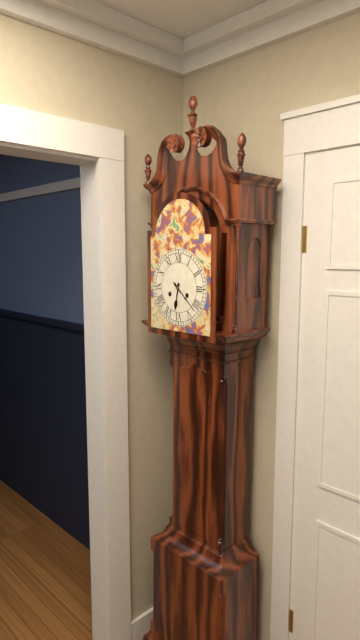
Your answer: 6.22
